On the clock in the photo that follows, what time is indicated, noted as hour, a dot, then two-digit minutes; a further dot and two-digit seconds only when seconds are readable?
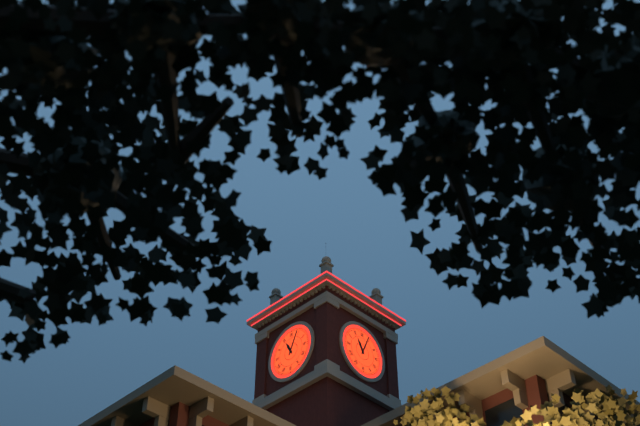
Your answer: 11.04
